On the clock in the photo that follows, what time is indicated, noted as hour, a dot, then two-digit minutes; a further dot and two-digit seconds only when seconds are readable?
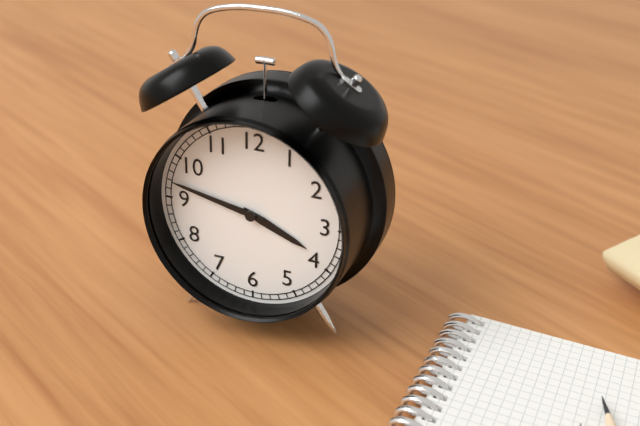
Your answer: 3.47
